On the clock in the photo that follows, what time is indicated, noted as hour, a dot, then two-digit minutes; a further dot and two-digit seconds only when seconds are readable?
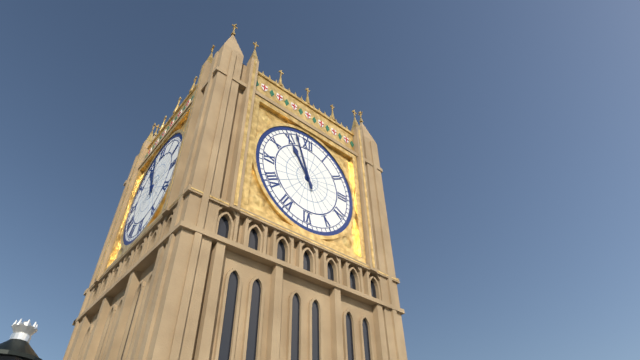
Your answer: 10.57
